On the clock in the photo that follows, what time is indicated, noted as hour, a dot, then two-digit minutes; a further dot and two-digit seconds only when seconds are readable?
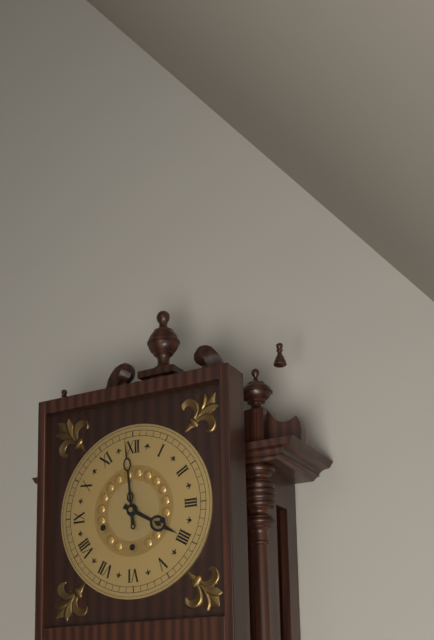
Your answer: 3.59
